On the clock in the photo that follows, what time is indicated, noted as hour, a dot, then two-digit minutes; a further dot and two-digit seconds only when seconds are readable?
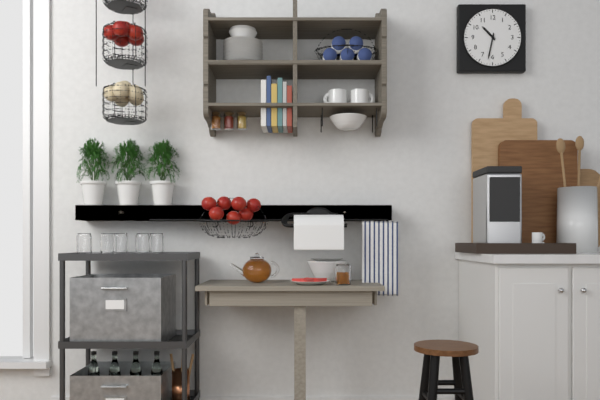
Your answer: 10.32
